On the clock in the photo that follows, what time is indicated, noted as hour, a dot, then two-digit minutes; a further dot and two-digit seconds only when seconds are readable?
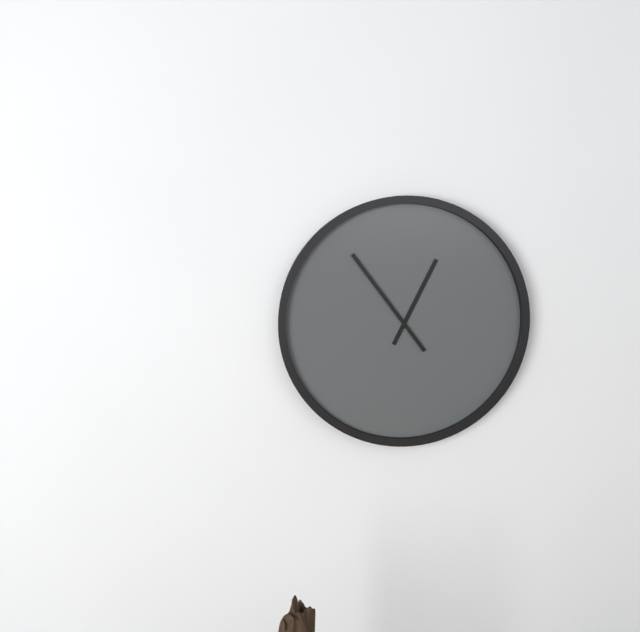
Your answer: 12.54
